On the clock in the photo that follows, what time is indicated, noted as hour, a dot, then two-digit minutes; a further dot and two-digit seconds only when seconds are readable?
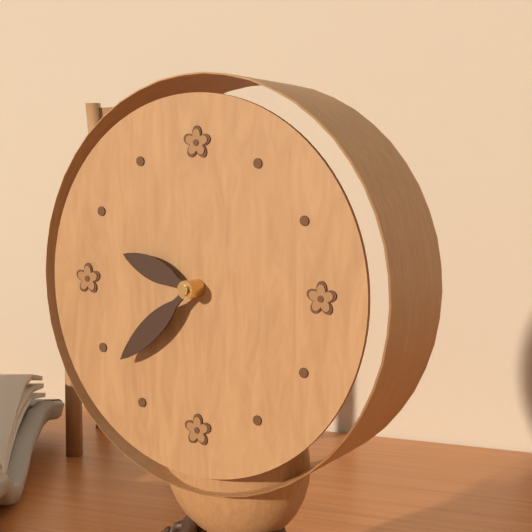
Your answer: 9.38
